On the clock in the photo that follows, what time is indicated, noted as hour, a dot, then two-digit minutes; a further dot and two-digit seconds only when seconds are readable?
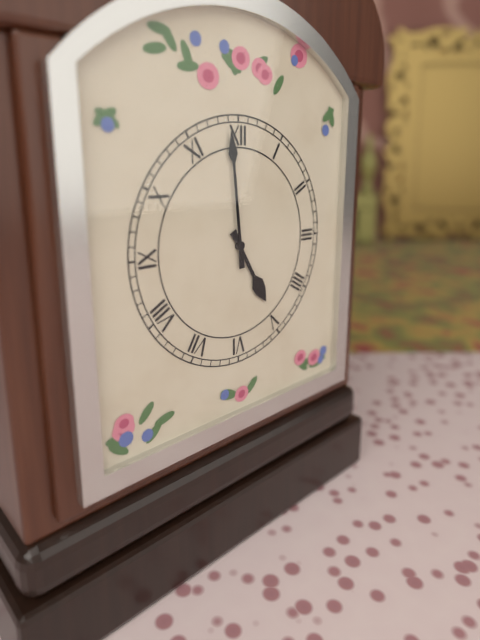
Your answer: 4.59
